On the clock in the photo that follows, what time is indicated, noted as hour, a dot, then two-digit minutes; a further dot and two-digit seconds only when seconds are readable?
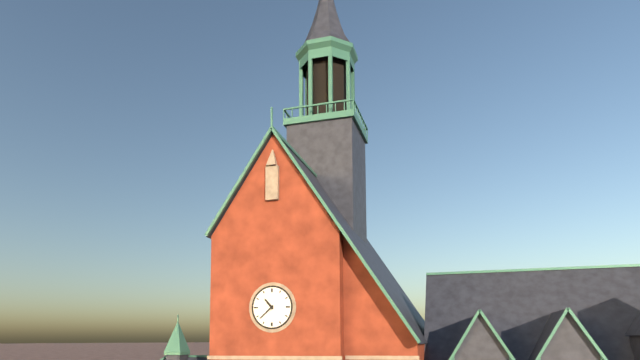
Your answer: 10.38
